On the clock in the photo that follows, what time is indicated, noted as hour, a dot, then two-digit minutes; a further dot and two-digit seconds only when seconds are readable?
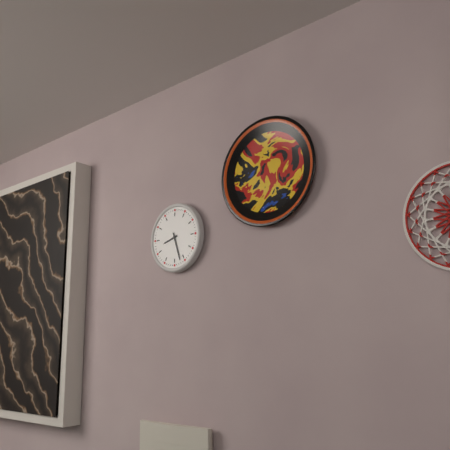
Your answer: 8.27
